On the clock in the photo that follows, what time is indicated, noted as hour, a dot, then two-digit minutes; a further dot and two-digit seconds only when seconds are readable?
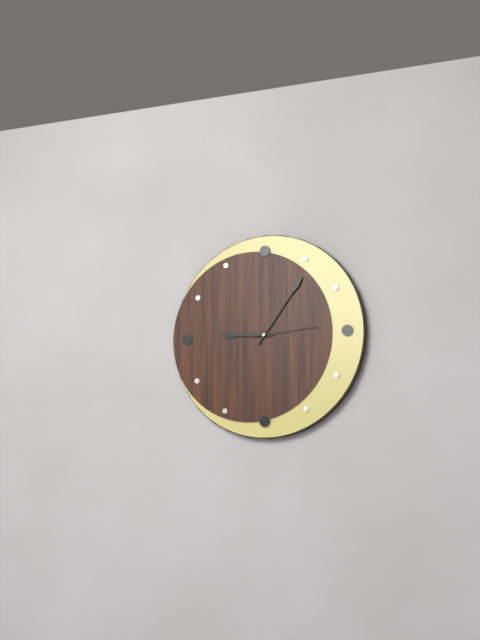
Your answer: 9.06.14
